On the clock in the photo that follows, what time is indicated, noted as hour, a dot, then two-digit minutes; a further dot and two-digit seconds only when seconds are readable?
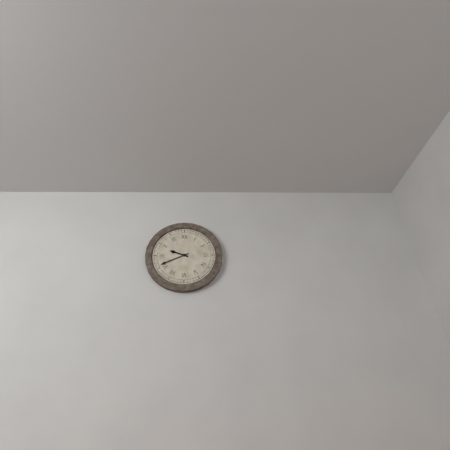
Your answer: 9.41
